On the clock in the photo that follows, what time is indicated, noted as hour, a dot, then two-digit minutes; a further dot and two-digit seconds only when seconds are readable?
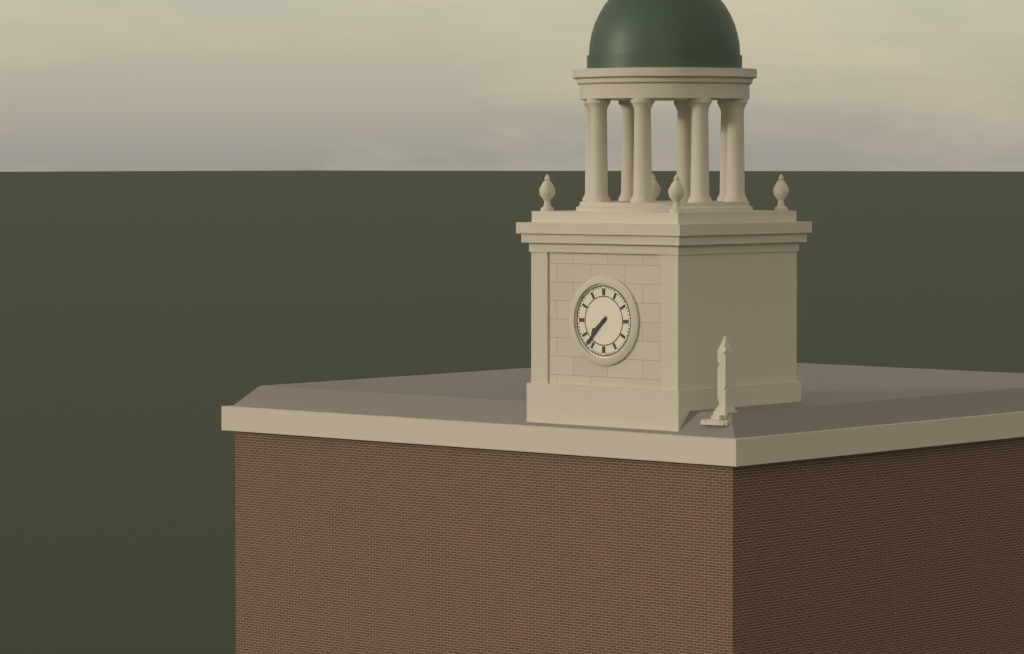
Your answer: 7.37
